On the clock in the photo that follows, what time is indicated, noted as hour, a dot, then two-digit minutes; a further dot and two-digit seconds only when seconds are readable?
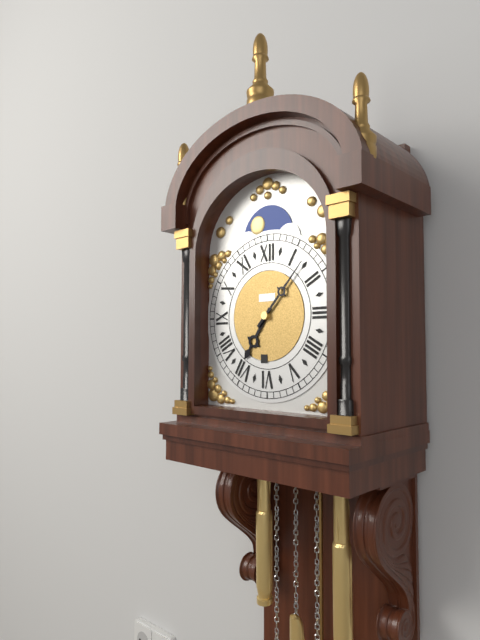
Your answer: 7.07
